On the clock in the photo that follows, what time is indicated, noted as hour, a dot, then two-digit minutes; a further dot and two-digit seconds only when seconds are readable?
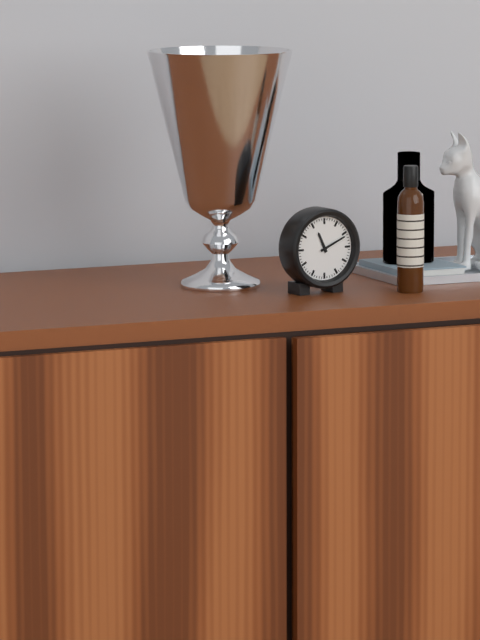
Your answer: 11.11
